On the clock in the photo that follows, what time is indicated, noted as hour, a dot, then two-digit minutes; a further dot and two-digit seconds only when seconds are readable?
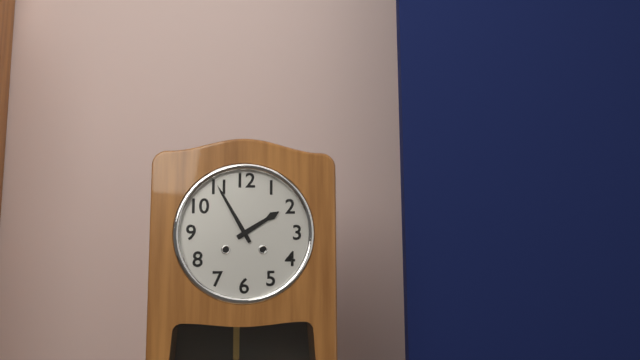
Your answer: 1.55
